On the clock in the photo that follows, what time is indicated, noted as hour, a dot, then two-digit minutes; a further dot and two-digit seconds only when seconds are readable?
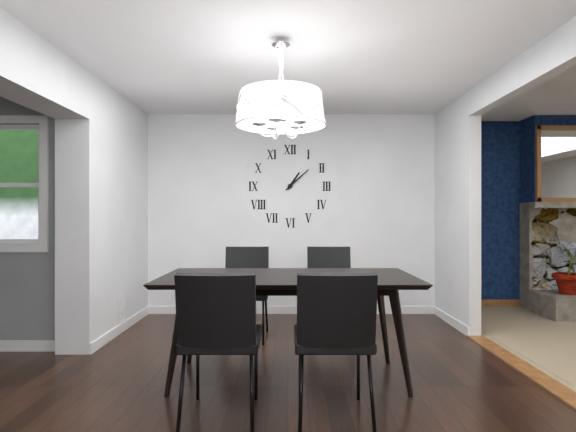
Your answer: 1.08
